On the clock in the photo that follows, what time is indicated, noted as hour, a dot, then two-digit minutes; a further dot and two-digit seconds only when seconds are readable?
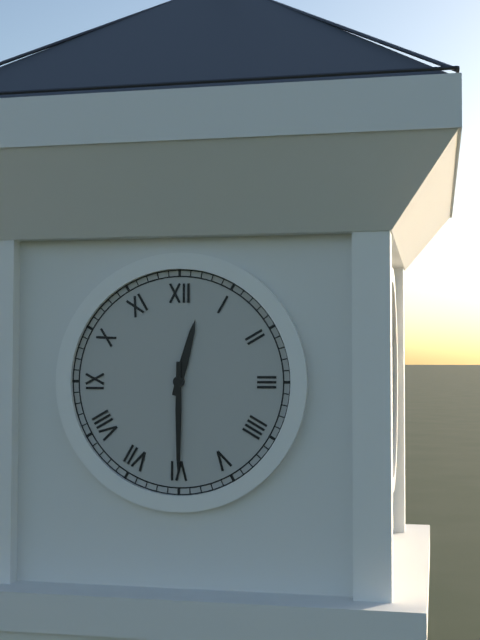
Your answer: 12.30
